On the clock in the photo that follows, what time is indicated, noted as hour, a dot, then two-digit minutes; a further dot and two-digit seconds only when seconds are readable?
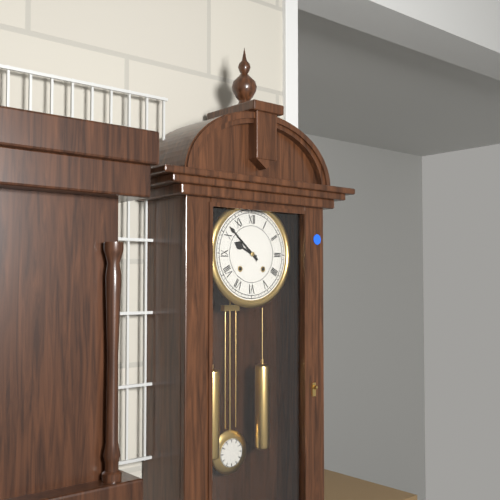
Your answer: 9.52
